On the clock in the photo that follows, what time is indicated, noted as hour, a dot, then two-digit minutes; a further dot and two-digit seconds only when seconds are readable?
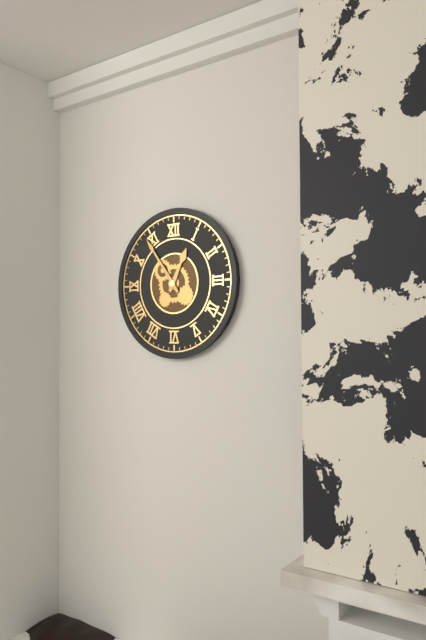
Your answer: 12.54
